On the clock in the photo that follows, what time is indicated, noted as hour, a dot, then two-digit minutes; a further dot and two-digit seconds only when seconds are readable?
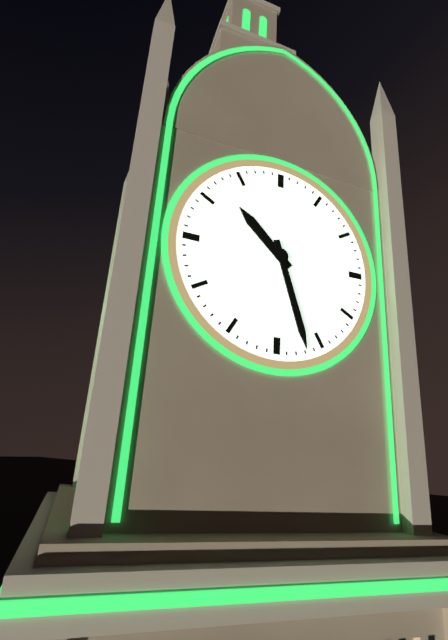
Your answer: 10.27
